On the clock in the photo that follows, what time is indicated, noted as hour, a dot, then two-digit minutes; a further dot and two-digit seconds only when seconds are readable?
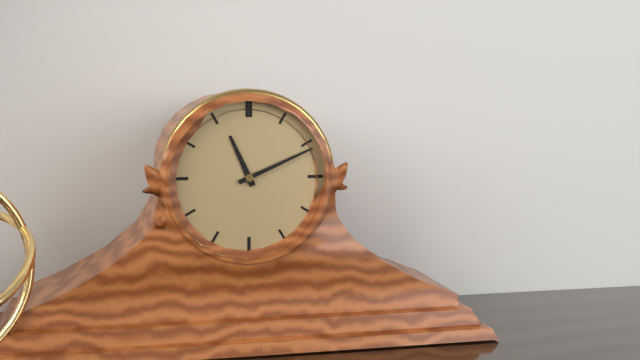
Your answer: 11.11
